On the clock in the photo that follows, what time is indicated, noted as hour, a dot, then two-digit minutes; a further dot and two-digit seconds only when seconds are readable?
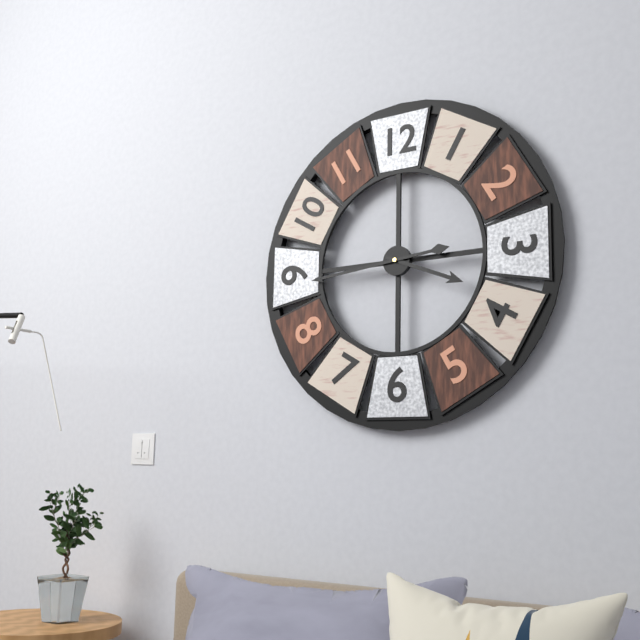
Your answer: 3.44
